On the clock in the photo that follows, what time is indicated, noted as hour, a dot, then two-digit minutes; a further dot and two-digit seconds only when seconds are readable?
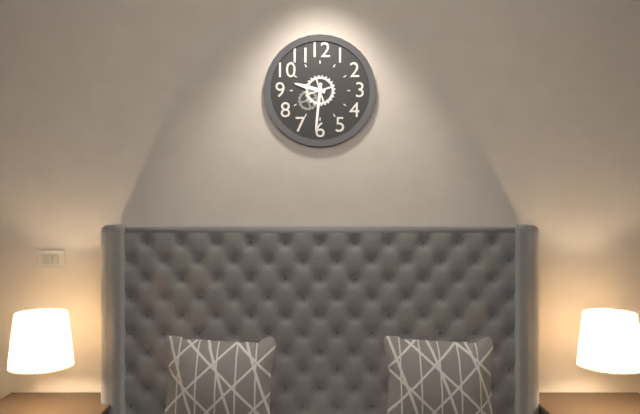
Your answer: 9.31
